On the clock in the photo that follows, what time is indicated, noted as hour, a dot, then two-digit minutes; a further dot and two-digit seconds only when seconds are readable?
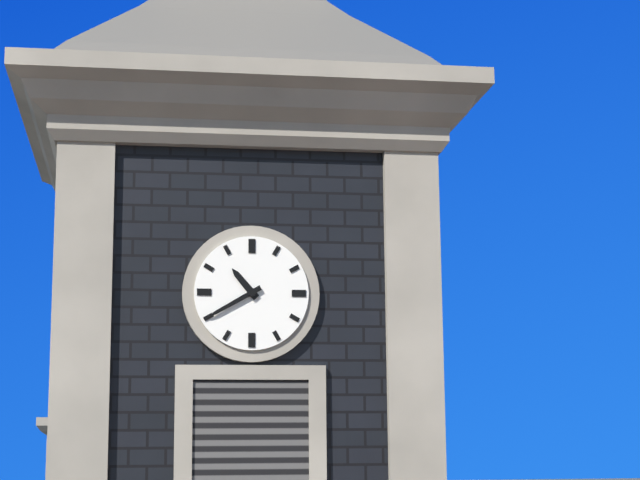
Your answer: 10.40
